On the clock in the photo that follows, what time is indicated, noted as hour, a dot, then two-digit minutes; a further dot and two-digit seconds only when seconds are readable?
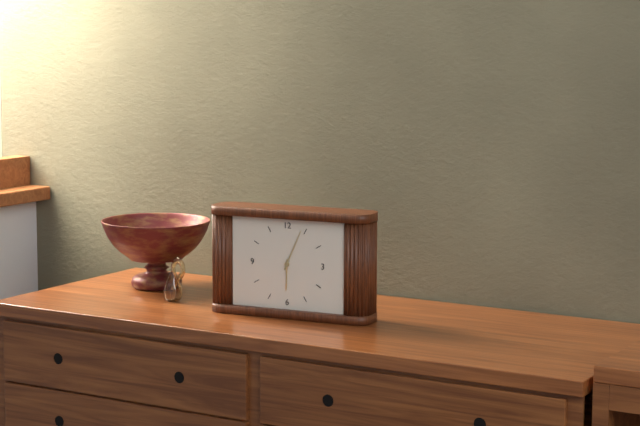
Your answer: 6.04
